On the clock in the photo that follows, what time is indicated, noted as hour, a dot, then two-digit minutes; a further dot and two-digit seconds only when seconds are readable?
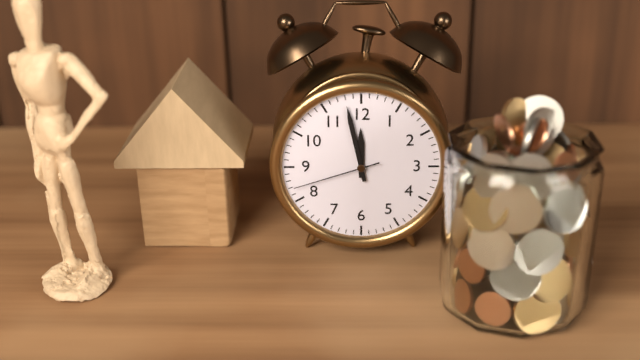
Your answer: 11.58.42
